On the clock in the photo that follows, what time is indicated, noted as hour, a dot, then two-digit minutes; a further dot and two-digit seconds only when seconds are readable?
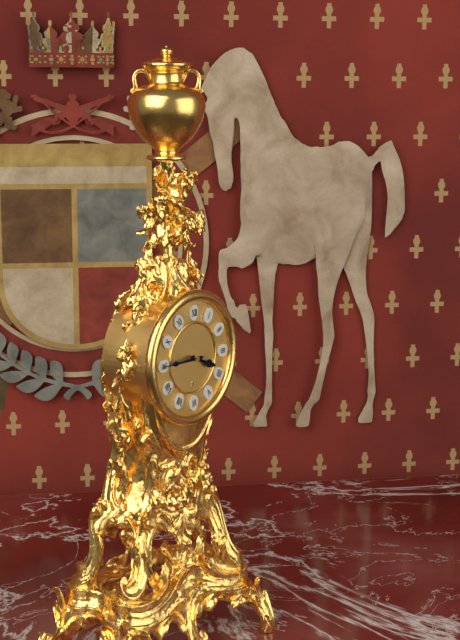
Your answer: 3.45
